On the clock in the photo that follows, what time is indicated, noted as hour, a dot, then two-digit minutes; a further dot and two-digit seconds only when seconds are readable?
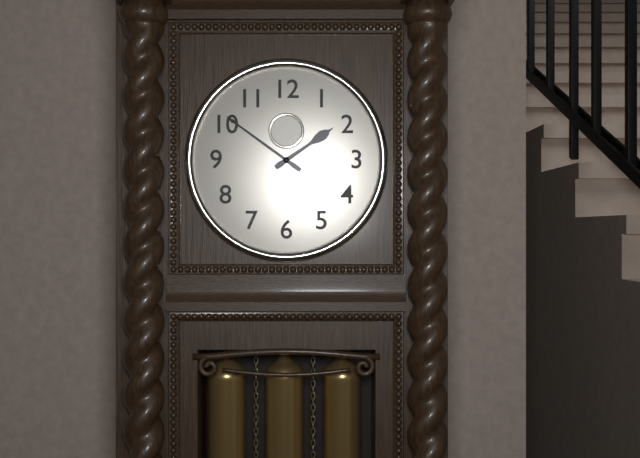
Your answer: 1.51
